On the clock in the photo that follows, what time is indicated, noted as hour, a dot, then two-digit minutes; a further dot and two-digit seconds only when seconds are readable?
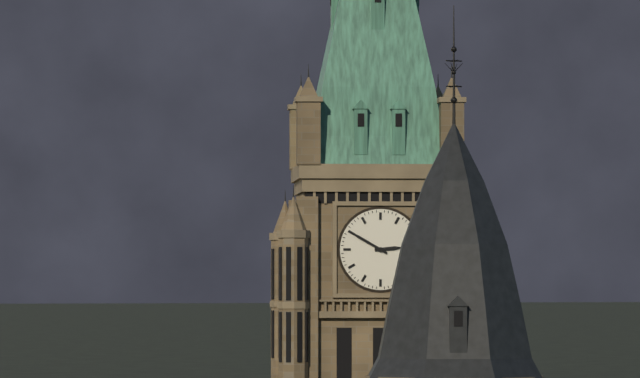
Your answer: 2.50
